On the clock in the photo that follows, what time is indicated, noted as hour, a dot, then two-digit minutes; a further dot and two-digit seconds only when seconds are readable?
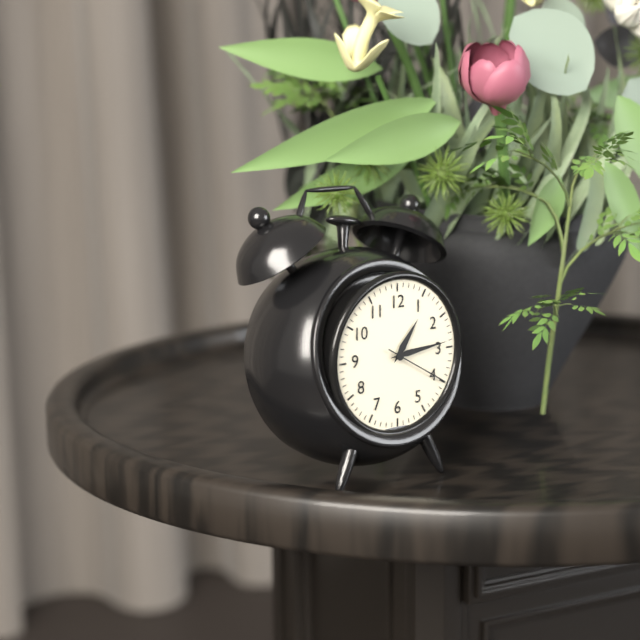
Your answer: 1.14.20
